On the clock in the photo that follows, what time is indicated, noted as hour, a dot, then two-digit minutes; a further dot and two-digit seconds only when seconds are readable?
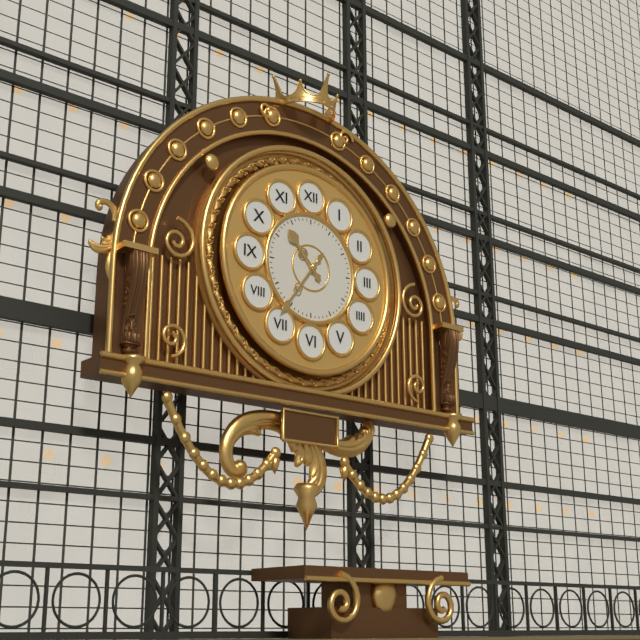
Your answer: 10.36
